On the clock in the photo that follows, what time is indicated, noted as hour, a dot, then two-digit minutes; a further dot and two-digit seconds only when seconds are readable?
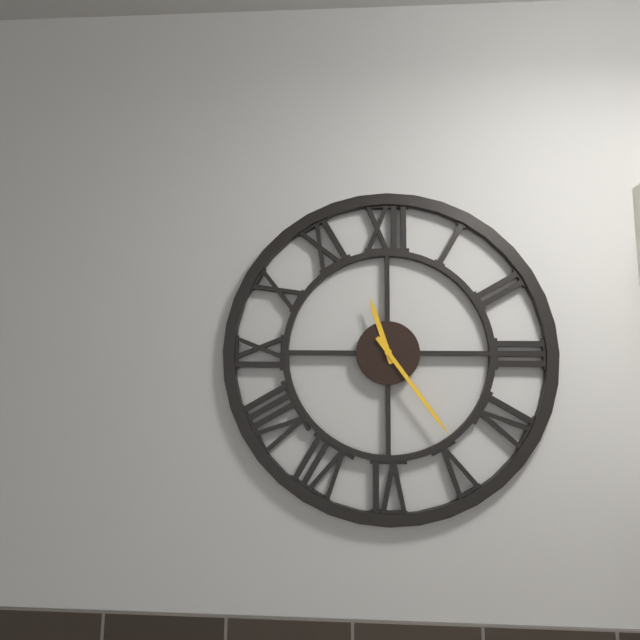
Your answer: 11.24
